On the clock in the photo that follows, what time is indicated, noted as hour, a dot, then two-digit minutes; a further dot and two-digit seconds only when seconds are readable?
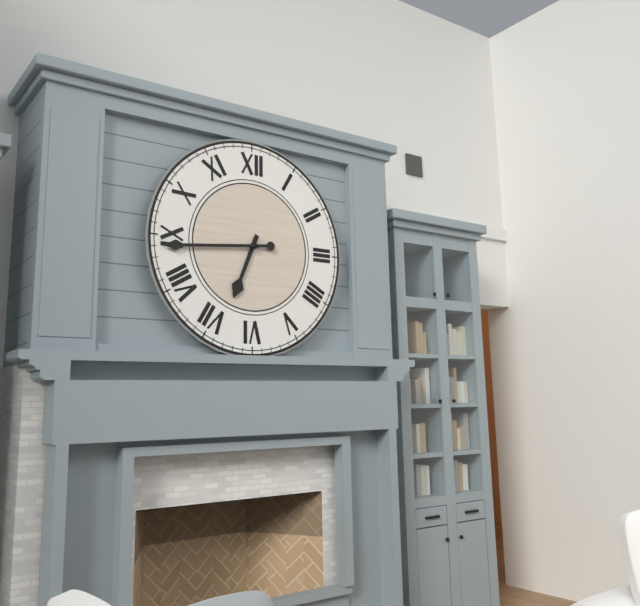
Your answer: 6.44
